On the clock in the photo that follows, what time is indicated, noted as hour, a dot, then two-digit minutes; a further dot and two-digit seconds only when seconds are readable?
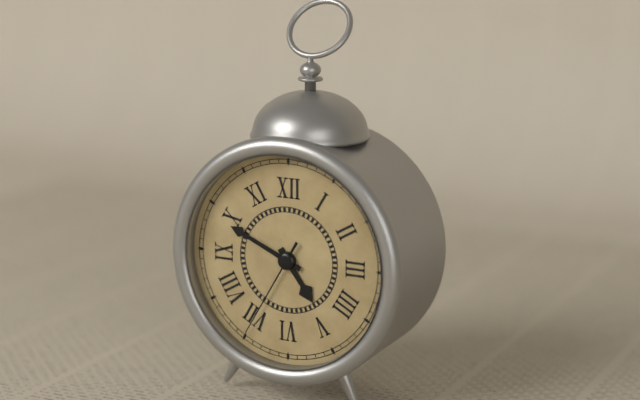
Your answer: 4.49.35
